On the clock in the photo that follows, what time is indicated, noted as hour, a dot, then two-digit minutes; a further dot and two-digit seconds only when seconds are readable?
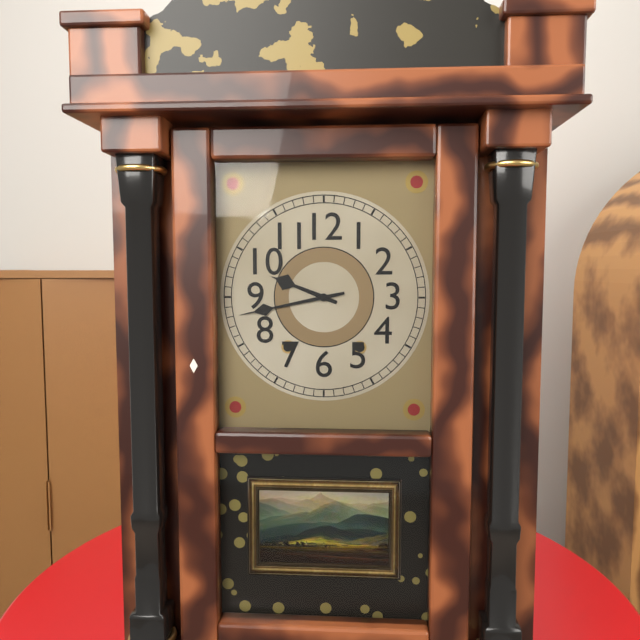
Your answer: 9.43
